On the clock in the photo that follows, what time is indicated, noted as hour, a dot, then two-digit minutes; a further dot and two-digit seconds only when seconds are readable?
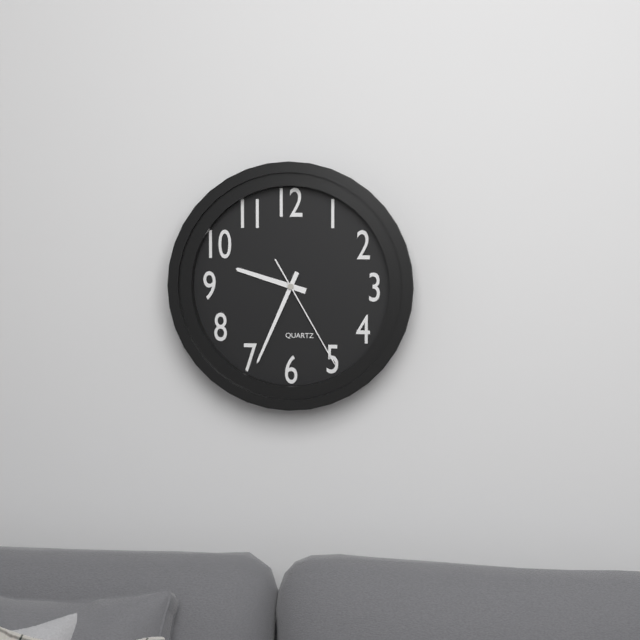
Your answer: 9.34.25
